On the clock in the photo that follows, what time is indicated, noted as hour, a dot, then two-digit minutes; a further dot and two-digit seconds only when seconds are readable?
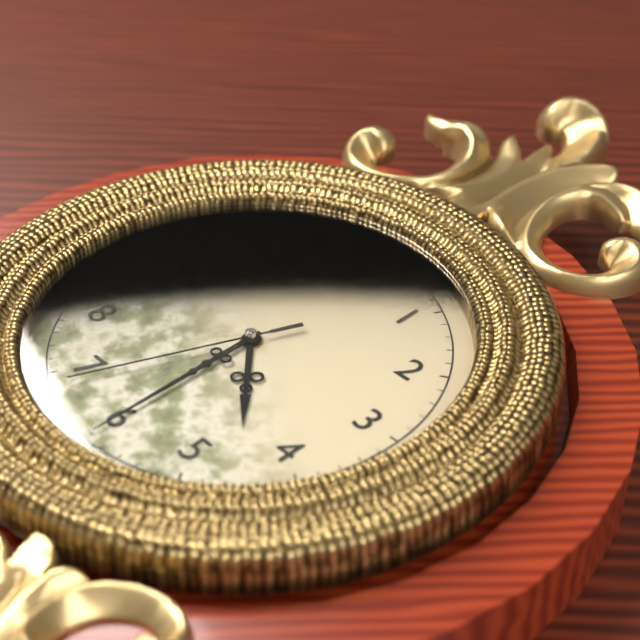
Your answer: 4.30.34
